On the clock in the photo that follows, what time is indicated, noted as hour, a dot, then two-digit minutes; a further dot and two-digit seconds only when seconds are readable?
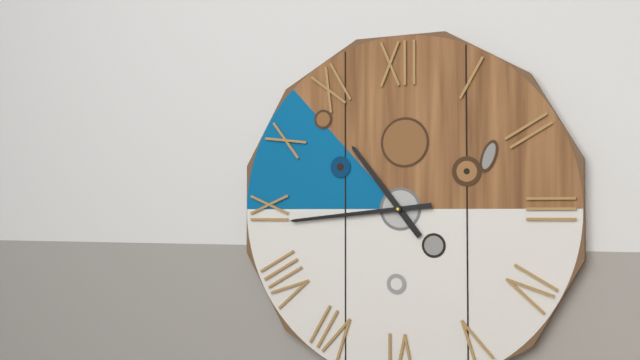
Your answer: 10.44
